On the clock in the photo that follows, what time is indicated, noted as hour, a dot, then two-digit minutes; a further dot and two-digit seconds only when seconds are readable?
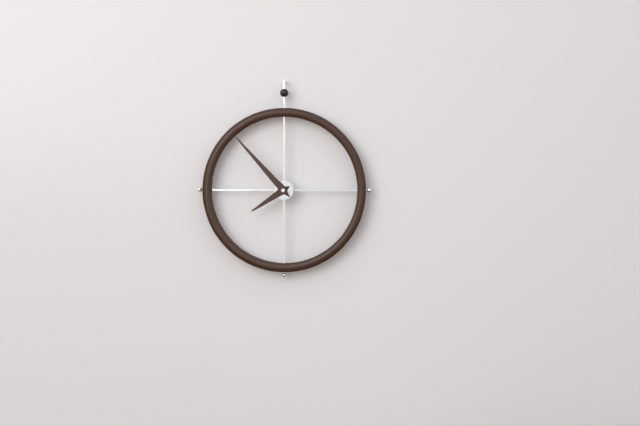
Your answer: 7.53
